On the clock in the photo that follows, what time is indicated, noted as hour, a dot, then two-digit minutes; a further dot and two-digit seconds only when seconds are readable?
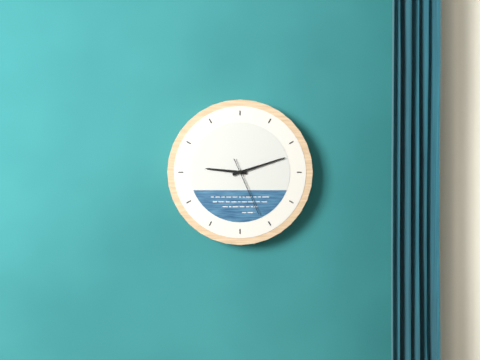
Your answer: 9.12.26
